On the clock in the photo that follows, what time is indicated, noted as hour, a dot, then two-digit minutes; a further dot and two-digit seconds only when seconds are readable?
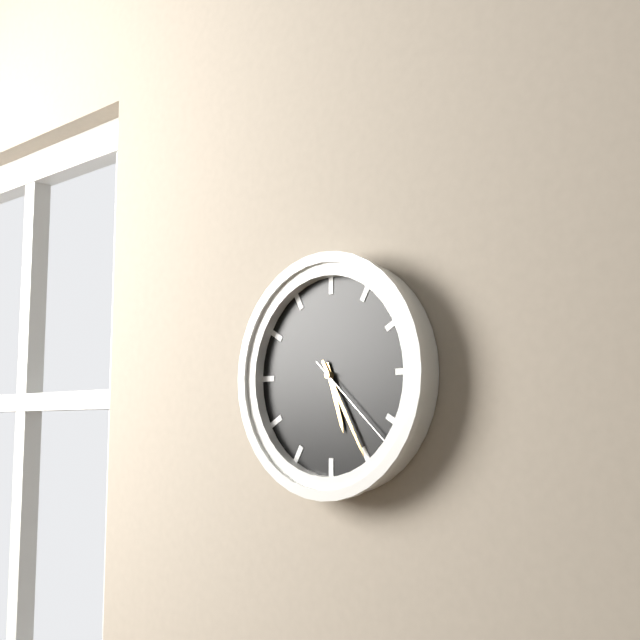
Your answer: 5.25.22
